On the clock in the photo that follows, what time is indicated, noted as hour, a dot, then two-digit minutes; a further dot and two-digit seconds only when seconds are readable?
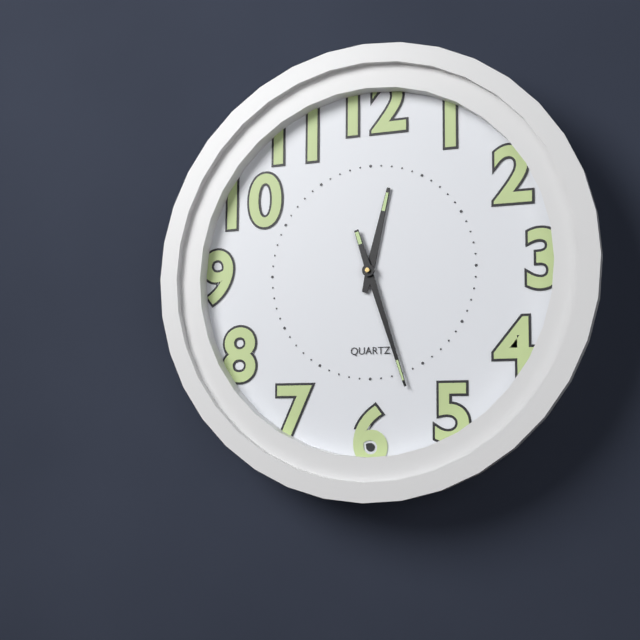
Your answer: 12.27
